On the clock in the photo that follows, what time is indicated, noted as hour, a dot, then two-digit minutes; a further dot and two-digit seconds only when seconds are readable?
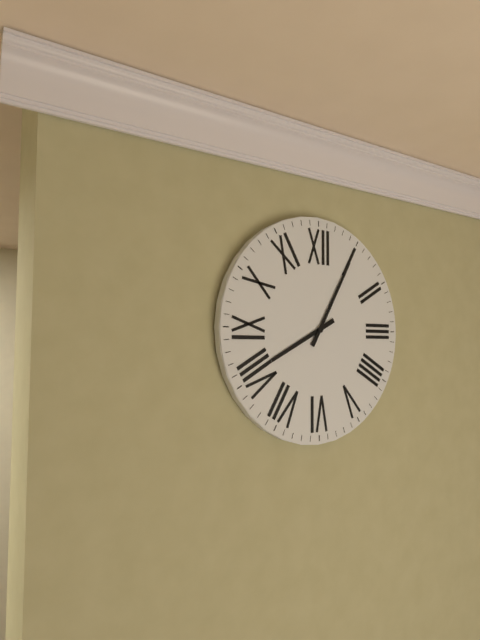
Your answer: 8.05
